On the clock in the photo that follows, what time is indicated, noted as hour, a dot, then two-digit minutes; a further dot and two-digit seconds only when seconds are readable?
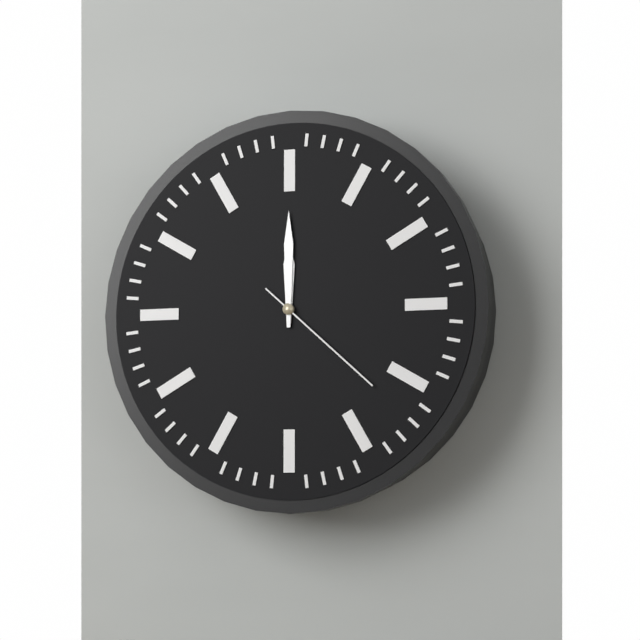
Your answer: 12.00.22
